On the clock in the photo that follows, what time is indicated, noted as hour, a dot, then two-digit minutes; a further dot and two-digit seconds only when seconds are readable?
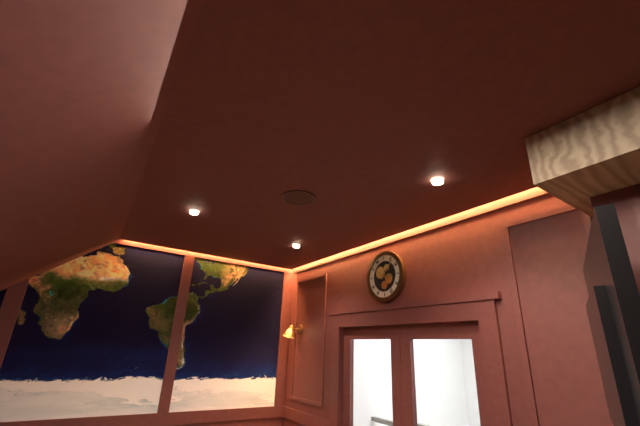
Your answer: 10.07
